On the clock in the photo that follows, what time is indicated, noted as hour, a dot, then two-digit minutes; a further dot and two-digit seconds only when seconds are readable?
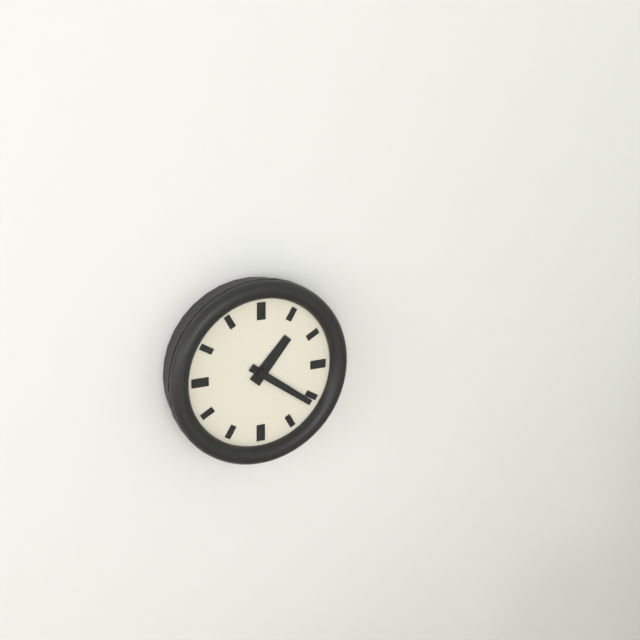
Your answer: 1.21
